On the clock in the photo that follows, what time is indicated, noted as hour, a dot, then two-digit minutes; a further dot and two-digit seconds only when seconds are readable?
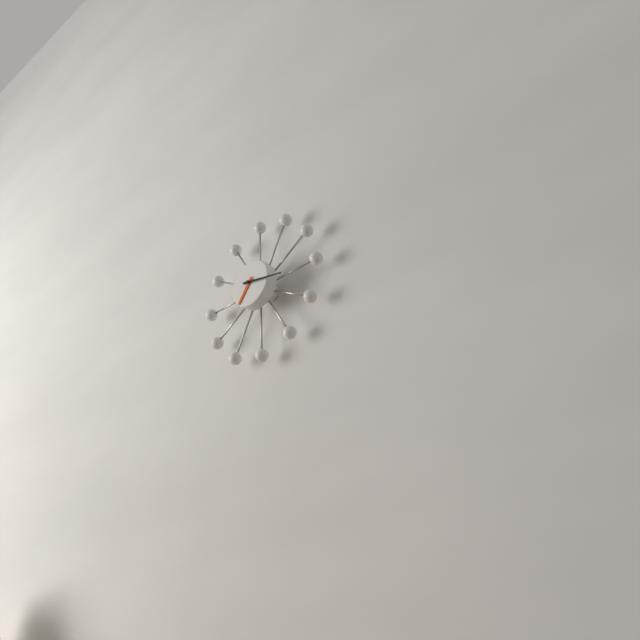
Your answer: 7.17
